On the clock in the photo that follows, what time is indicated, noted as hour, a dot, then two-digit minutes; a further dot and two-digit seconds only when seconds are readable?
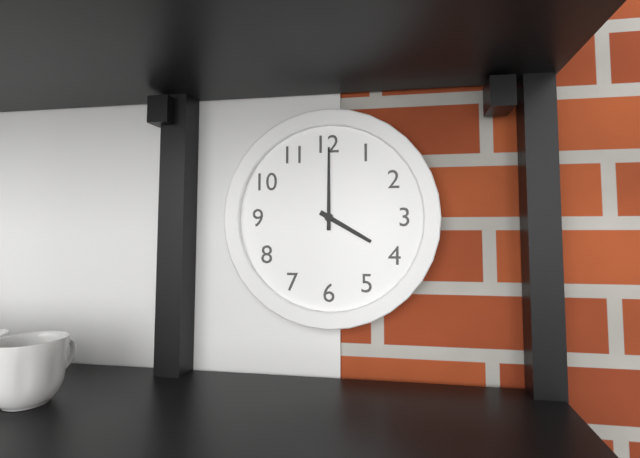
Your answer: 4.00
